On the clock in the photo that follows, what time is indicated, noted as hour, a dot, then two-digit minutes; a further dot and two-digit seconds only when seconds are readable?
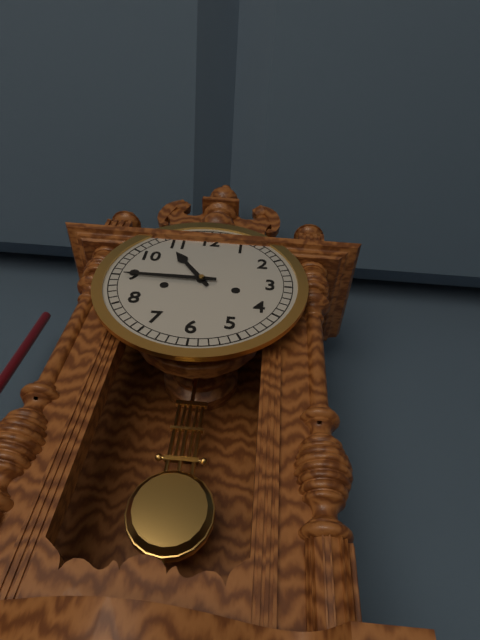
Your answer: 10.45
